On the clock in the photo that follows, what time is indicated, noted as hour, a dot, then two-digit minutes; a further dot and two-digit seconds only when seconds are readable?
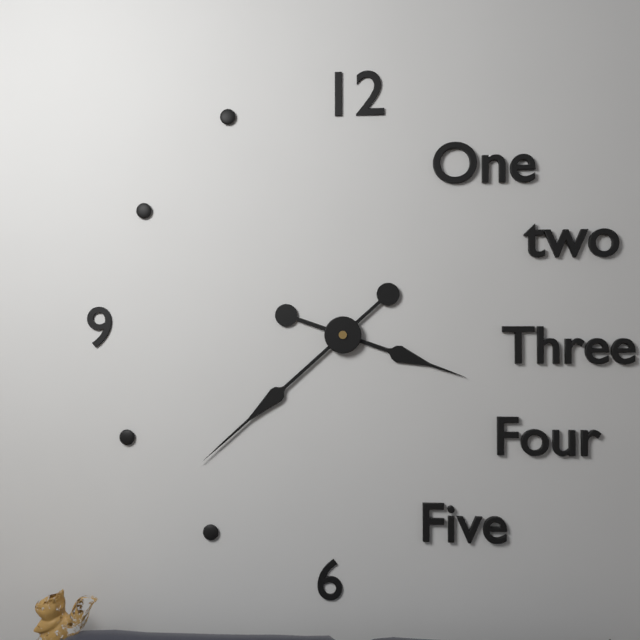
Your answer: 3.38
